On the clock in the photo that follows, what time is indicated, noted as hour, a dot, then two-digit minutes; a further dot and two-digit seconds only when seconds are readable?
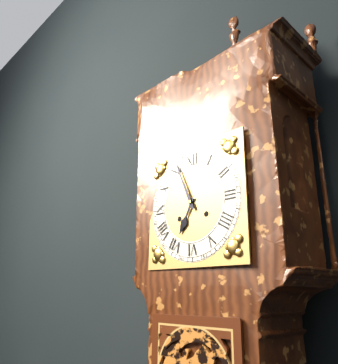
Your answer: 6.56
